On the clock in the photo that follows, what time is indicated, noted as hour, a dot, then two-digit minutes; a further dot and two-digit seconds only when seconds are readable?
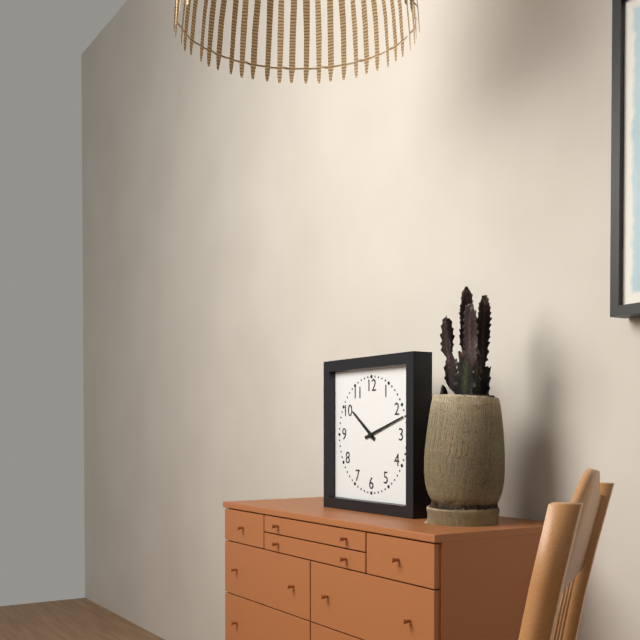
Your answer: 10.12
